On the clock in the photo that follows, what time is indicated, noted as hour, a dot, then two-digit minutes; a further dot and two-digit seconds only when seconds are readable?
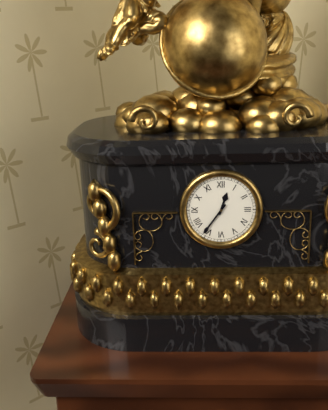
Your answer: 12.36
